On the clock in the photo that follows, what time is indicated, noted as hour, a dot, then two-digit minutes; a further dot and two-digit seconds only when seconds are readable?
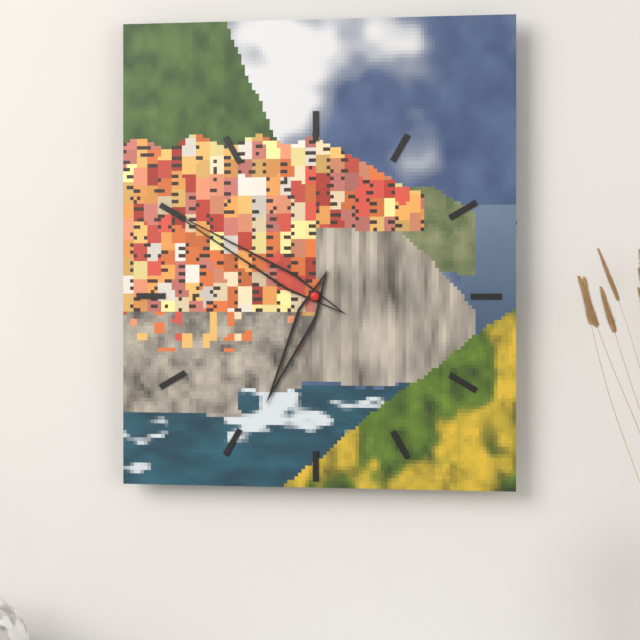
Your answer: 6.50
